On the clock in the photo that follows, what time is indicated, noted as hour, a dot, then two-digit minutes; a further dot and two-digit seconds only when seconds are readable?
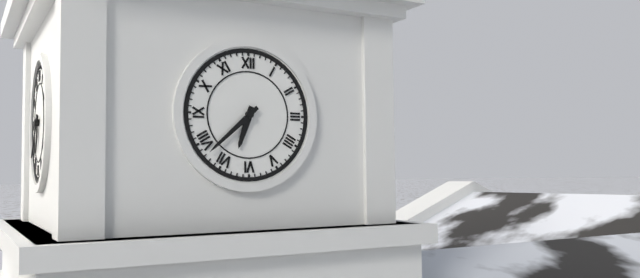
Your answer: 6.38
